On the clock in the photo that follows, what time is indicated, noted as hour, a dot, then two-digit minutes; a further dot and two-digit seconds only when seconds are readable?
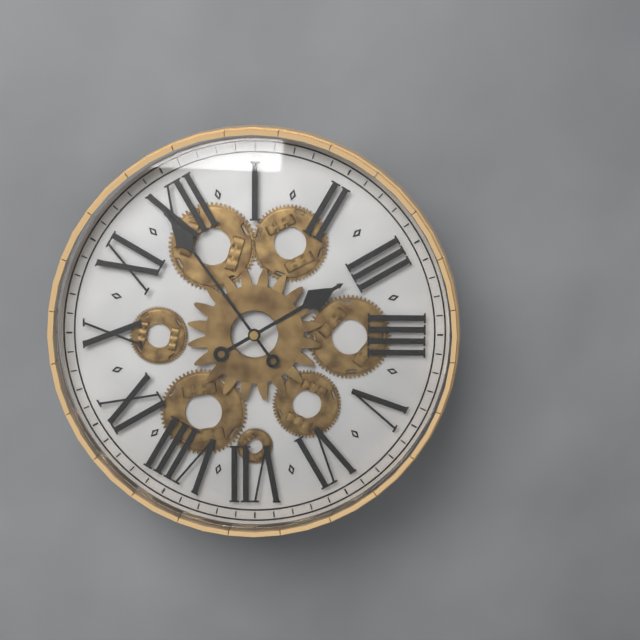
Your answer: 2.59
